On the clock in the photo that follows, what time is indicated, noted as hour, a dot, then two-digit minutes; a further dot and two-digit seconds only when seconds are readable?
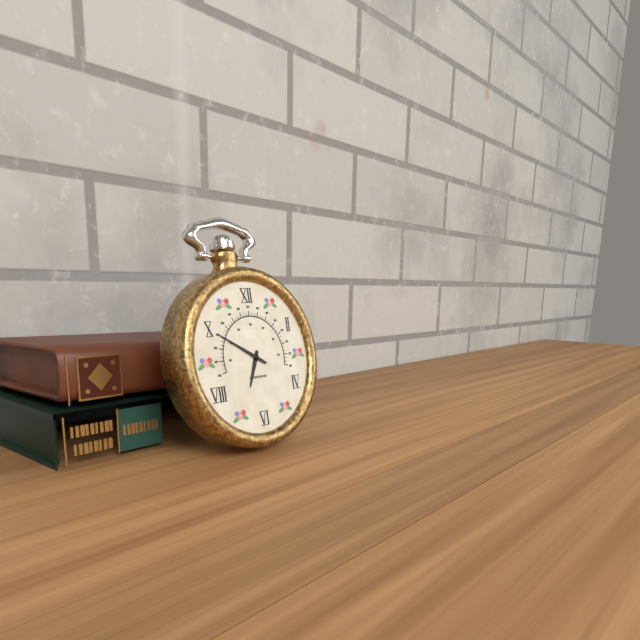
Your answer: 6.50
